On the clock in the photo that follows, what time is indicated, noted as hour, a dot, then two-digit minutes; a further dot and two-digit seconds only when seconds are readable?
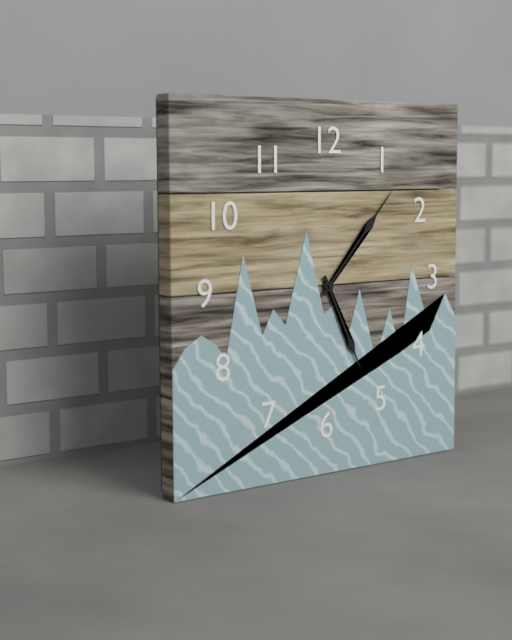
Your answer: 5.07
